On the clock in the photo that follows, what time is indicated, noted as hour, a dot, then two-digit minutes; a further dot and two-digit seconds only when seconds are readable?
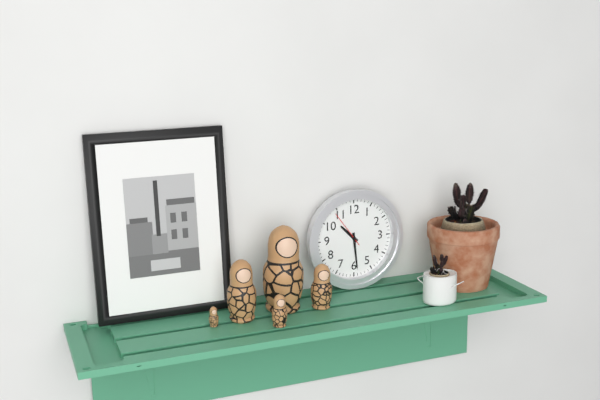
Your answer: 10.29
